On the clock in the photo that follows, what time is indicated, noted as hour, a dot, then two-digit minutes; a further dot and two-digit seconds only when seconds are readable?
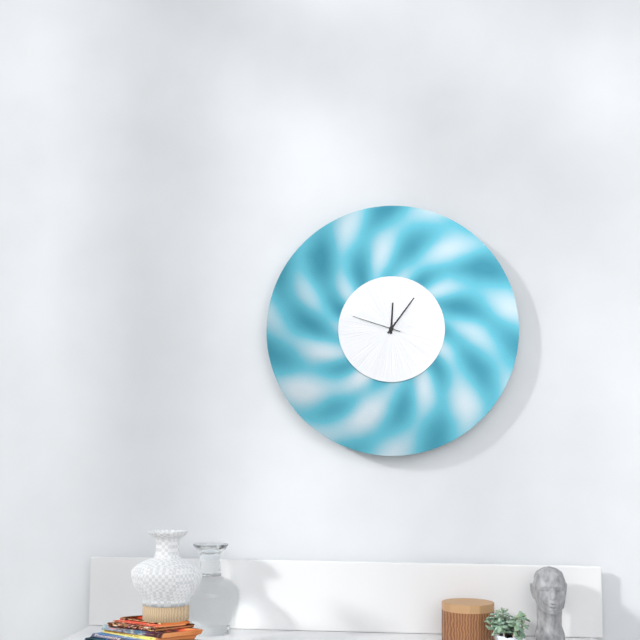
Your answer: 12.06.48
